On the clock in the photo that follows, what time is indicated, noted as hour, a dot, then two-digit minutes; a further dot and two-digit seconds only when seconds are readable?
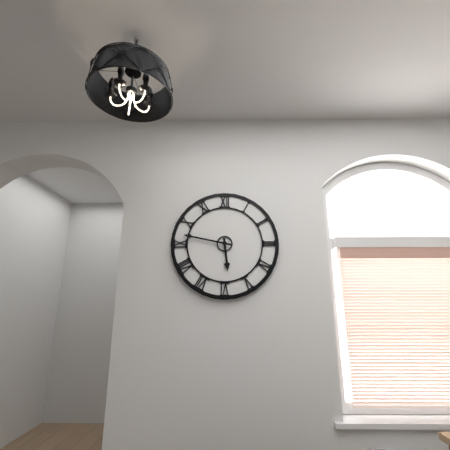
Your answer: 5.47
